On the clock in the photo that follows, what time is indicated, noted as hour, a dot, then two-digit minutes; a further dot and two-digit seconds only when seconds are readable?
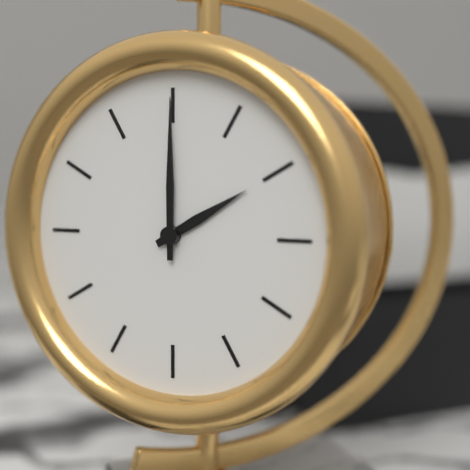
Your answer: 2.00
